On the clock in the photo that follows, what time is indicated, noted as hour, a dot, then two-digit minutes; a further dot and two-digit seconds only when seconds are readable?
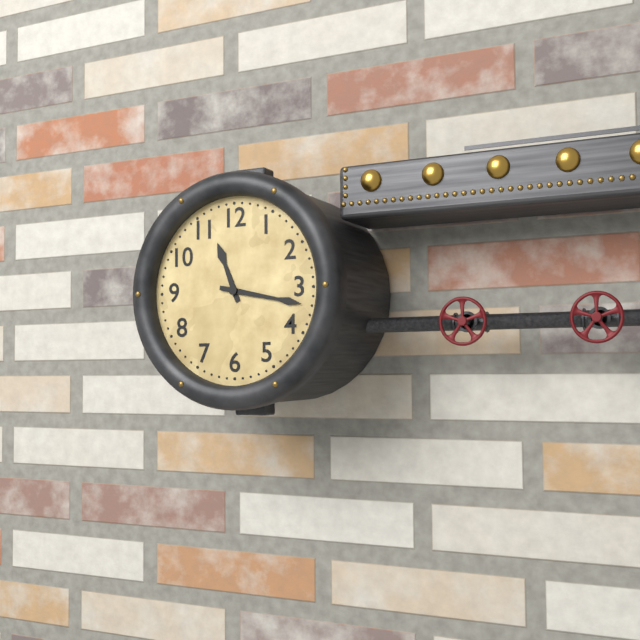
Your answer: 11.17
